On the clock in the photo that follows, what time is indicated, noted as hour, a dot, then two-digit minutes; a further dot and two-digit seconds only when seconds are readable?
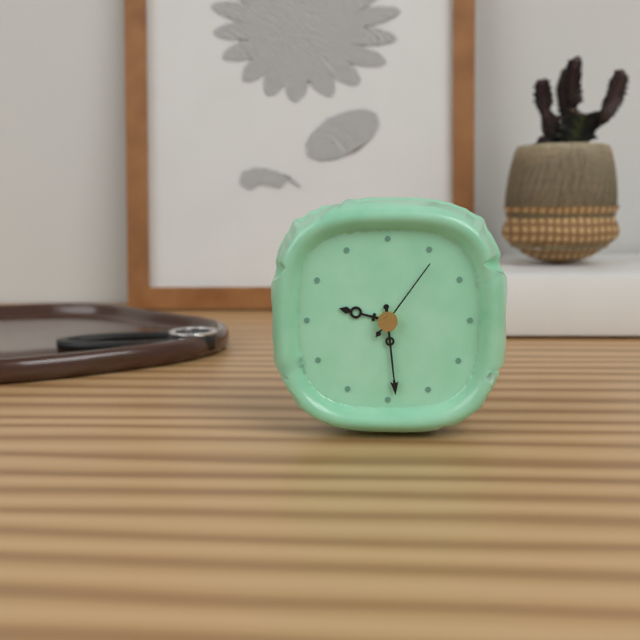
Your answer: 9.29.06
